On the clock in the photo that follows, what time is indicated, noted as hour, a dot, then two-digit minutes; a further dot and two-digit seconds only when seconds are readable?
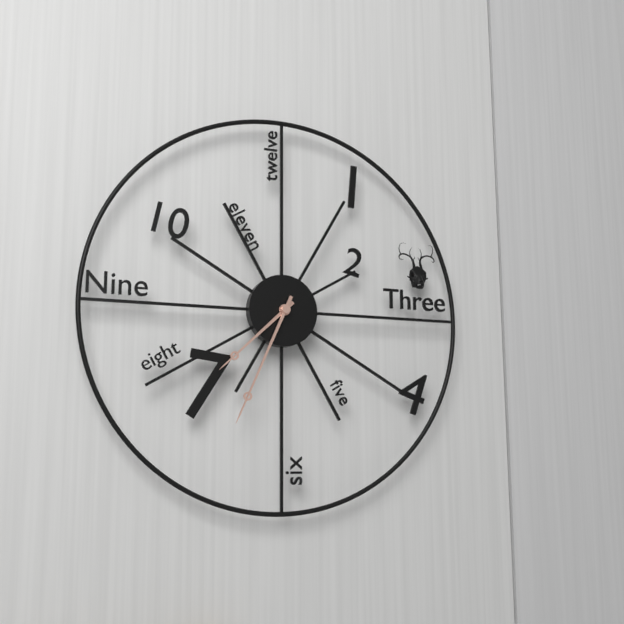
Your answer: 7.34
